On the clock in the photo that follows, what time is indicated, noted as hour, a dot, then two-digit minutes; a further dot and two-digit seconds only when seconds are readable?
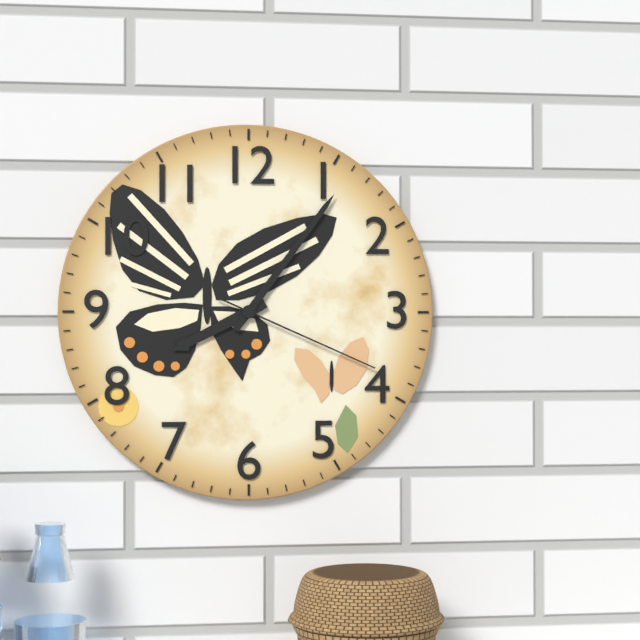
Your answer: 8.06.19
